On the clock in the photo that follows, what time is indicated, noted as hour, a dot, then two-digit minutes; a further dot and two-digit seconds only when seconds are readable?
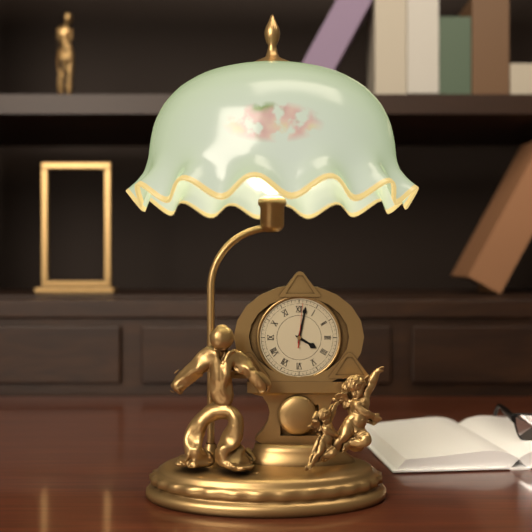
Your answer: 4.02
